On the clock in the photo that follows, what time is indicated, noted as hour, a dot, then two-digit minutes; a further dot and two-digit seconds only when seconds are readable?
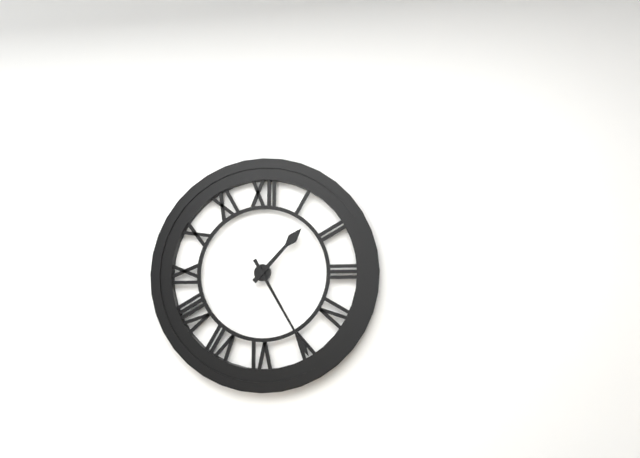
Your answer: 1.25
